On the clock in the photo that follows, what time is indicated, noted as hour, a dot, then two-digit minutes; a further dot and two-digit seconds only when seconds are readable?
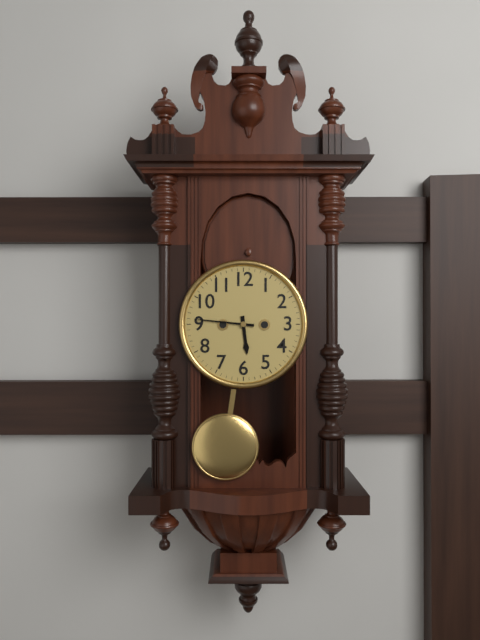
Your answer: 5.46
